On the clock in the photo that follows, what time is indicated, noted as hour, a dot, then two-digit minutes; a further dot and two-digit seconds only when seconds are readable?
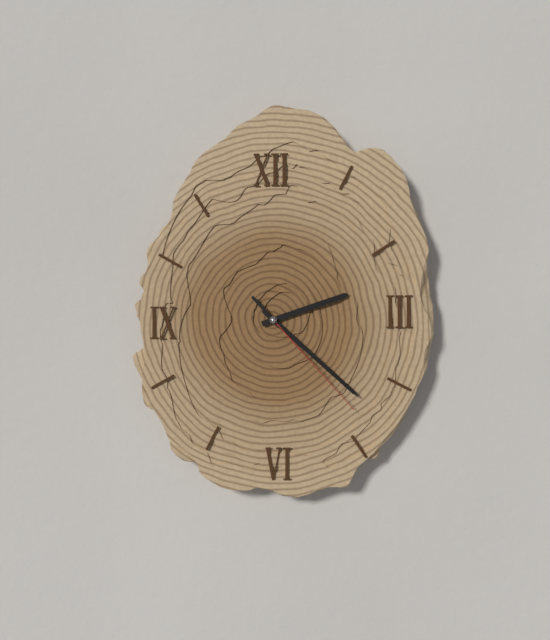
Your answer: 2.22.23
